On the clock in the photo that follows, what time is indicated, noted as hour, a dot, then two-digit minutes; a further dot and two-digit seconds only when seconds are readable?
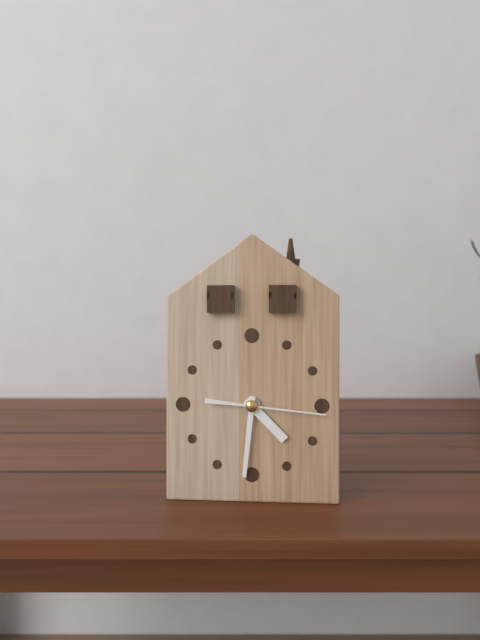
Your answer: 4.31.16
